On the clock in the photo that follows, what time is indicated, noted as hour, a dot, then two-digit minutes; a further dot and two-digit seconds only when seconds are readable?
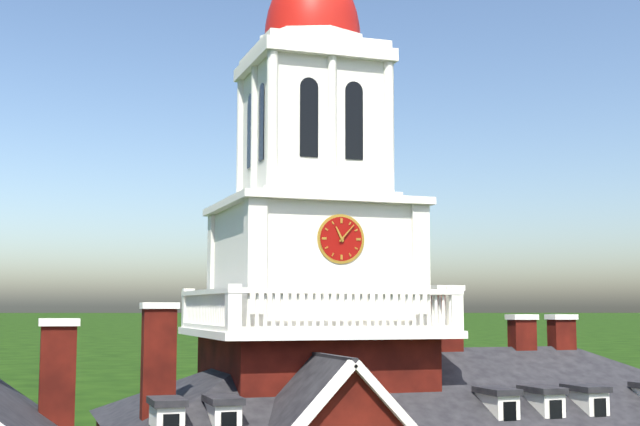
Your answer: 11.07
